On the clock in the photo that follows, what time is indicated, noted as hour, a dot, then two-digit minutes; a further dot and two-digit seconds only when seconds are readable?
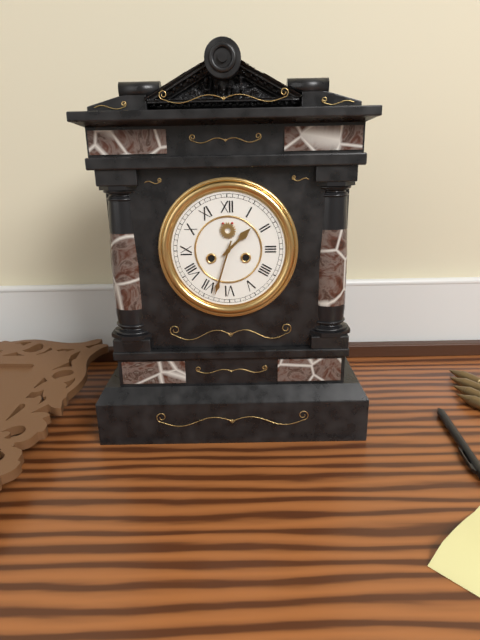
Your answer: 1.33
